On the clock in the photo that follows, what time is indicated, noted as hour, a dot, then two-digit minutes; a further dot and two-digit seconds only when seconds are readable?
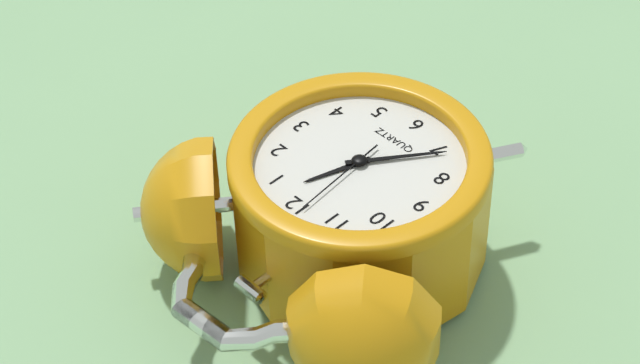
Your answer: 12.36.59
